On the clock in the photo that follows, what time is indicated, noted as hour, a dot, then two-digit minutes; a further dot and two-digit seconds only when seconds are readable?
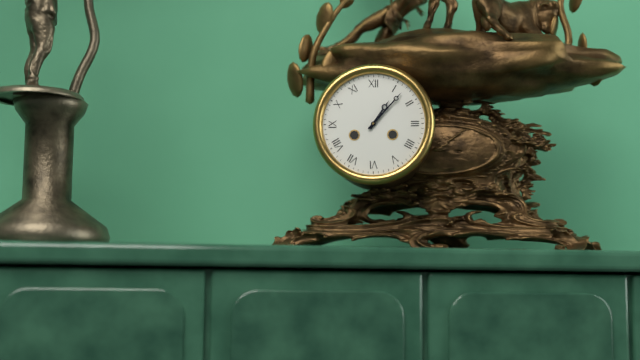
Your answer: 1.07
